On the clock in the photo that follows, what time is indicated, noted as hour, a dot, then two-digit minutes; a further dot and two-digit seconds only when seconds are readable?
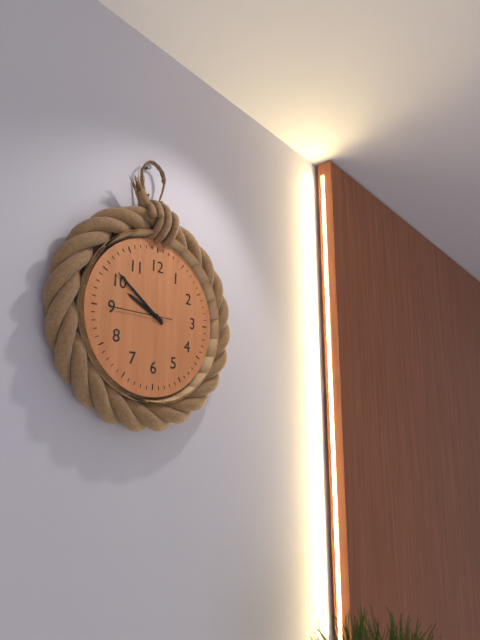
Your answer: 9.51.45
